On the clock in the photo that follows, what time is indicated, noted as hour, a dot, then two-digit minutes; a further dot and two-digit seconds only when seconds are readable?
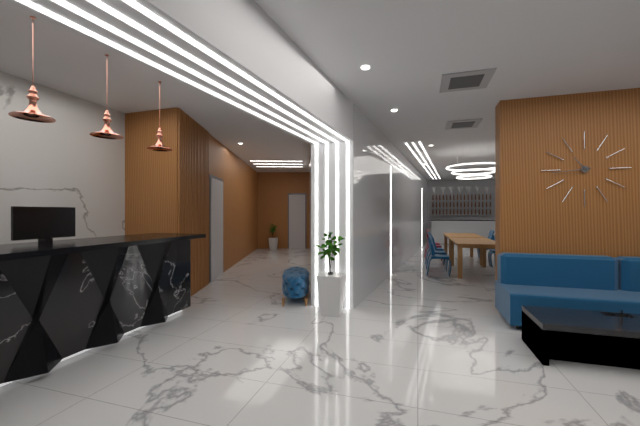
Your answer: 10.44
